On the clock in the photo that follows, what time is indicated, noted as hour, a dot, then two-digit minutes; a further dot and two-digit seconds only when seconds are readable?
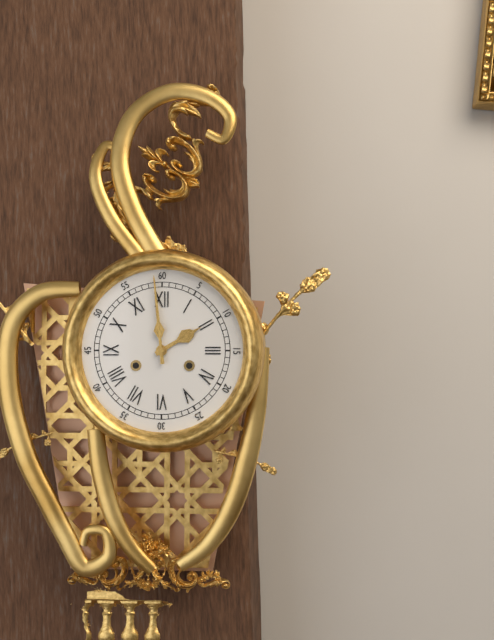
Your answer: 1.59
